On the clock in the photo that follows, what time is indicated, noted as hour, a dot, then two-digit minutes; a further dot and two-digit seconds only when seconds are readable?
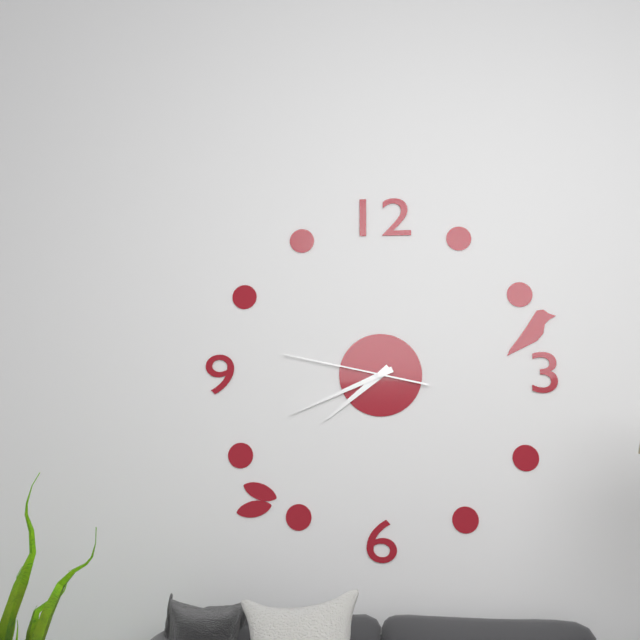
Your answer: 7.41.47
